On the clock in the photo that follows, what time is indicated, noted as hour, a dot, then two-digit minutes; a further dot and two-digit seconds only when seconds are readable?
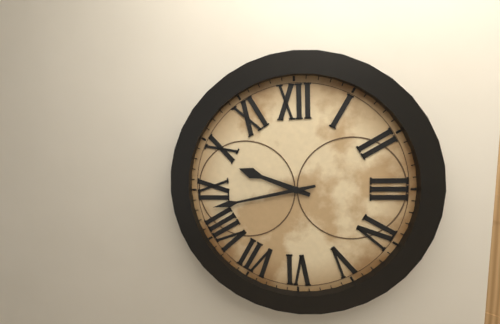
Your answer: 9.43
